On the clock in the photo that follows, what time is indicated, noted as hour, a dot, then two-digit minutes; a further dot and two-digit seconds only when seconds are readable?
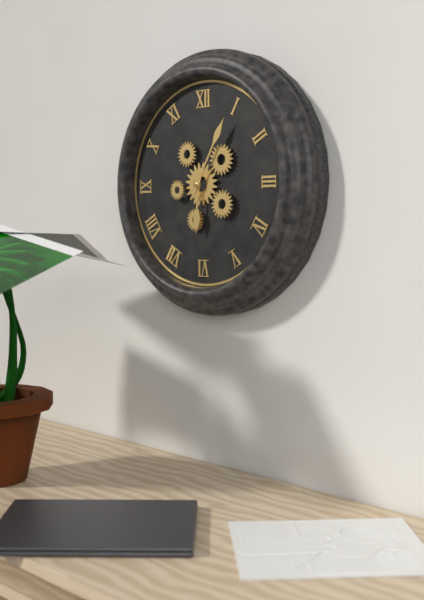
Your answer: 6.05
